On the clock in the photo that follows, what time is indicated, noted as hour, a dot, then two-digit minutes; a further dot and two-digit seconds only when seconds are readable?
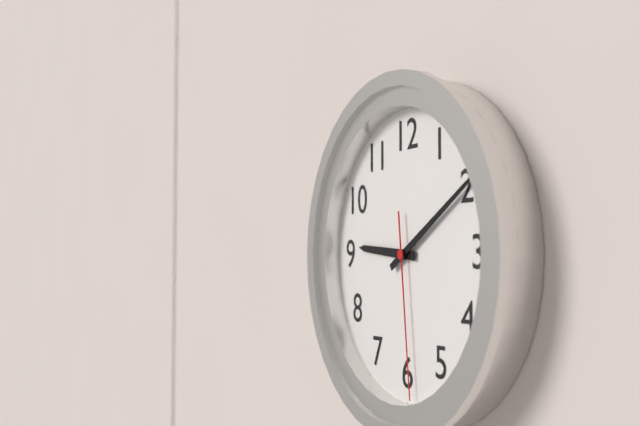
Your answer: 9.10.29
